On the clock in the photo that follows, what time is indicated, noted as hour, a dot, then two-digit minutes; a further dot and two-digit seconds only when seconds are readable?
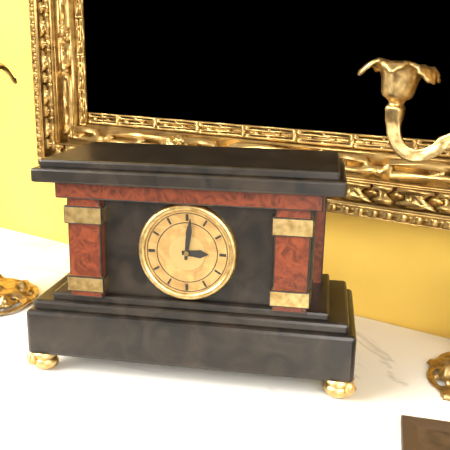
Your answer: 3.01
